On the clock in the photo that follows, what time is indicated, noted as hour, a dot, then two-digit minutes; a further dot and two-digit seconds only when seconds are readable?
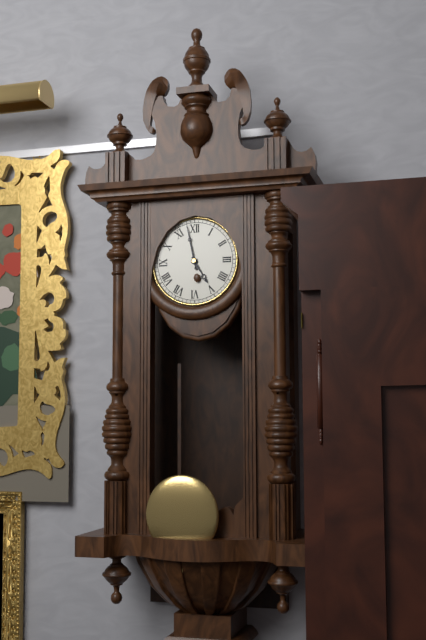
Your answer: 4.58
